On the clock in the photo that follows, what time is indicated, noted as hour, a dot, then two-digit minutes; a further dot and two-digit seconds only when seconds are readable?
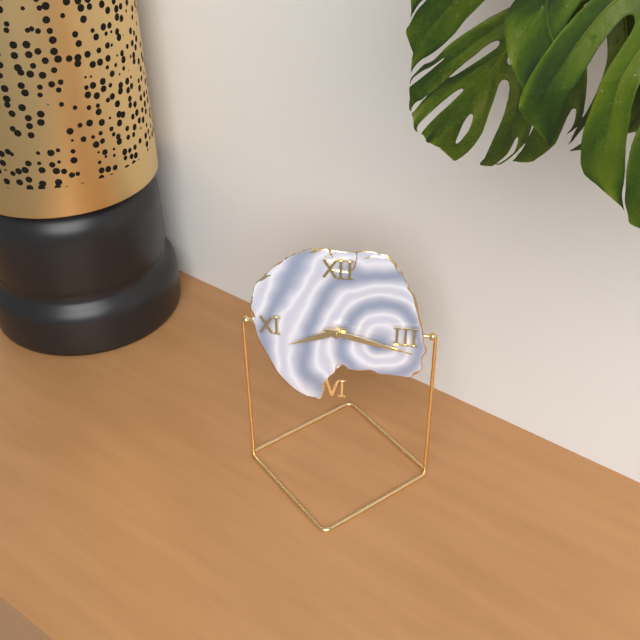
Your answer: 8.17
